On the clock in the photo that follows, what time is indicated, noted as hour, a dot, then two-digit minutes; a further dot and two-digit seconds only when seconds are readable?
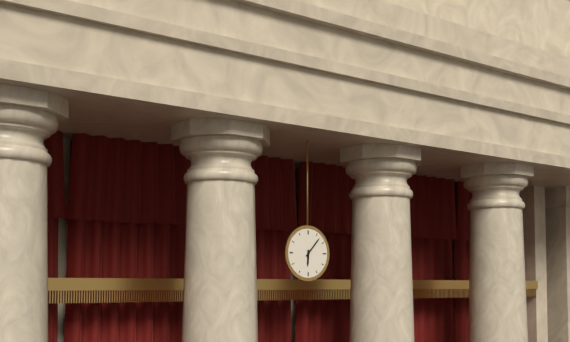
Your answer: 6.07
